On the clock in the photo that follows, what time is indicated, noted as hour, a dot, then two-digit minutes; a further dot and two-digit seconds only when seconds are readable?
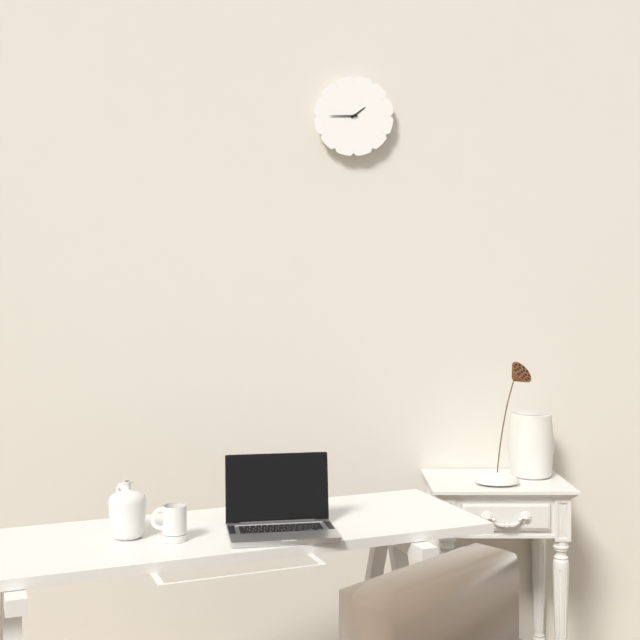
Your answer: 1.45
